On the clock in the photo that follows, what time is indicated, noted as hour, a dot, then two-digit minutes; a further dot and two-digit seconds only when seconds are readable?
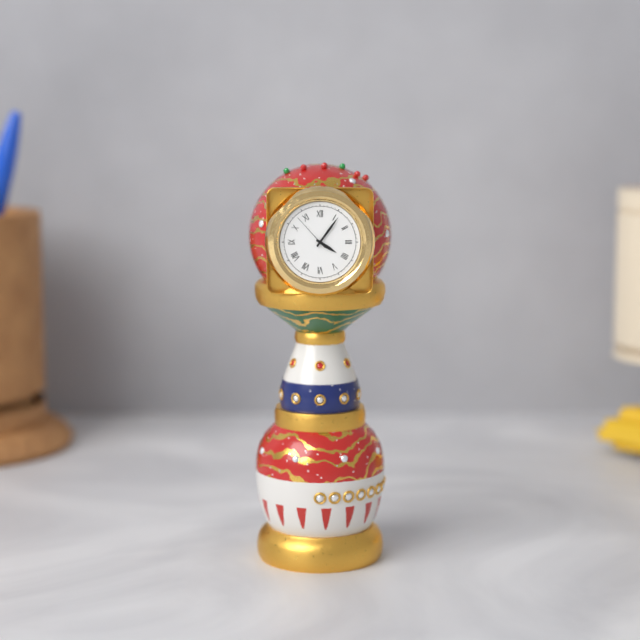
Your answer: 4.06
